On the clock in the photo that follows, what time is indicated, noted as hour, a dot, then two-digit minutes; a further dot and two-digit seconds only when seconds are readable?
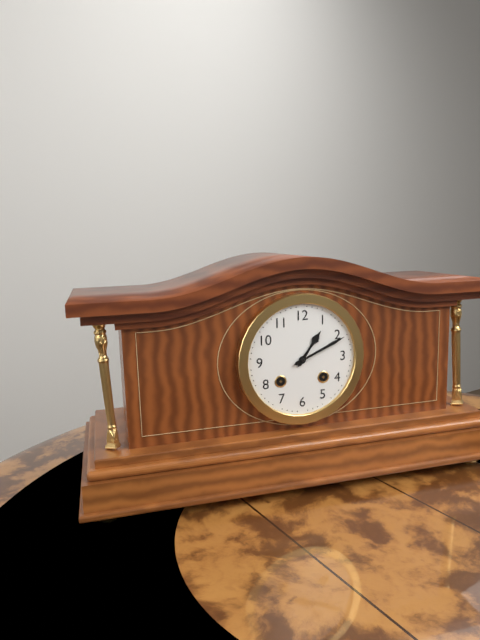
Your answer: 1.11
